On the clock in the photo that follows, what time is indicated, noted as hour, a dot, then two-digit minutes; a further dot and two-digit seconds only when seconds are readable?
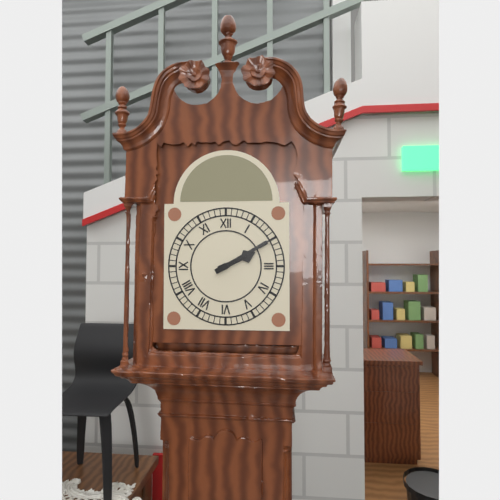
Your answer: 2.10
